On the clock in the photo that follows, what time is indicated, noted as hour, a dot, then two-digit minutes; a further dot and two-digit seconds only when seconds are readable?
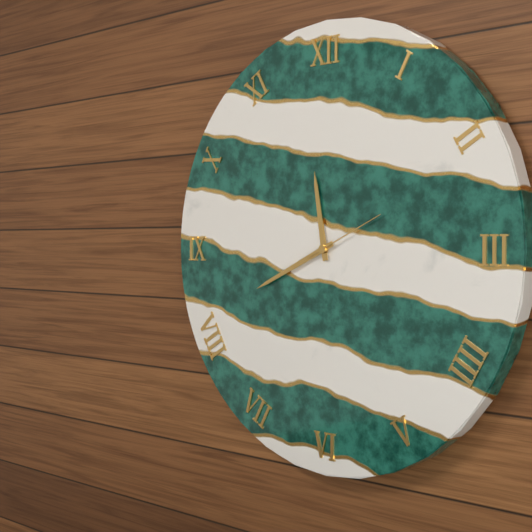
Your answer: 11.41.11
